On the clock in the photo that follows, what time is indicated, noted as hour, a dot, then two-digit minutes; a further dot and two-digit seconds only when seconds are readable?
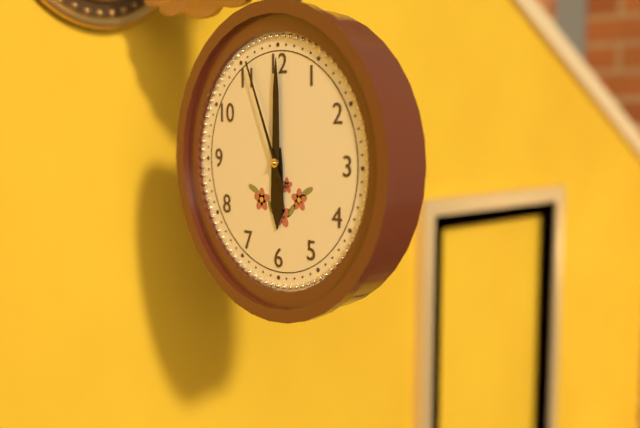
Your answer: 6.00.56
